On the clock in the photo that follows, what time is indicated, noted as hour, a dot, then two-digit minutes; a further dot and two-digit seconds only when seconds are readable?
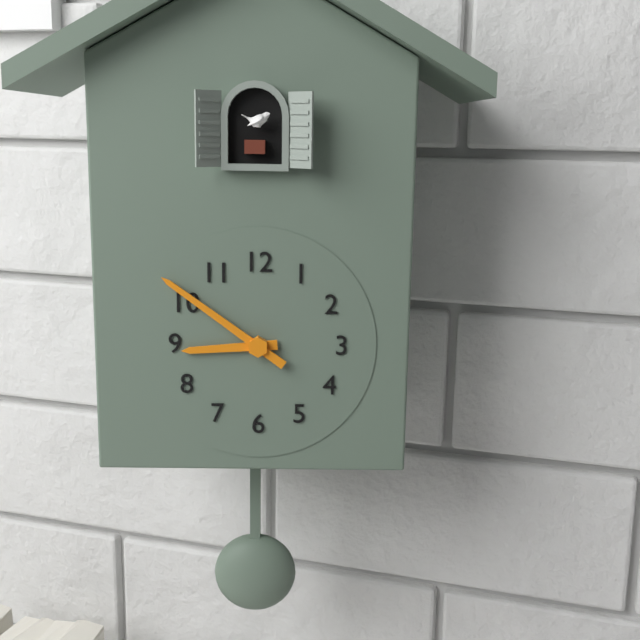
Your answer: 8.51
